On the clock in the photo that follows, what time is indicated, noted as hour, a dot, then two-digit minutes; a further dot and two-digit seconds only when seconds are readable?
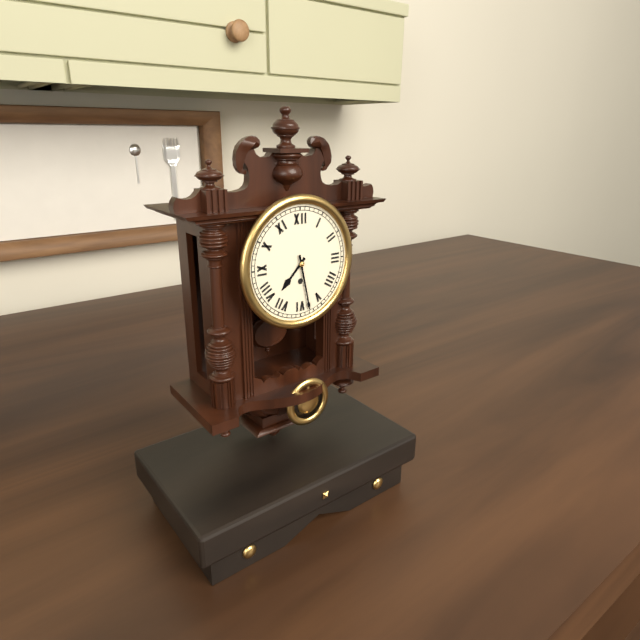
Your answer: 7.28
